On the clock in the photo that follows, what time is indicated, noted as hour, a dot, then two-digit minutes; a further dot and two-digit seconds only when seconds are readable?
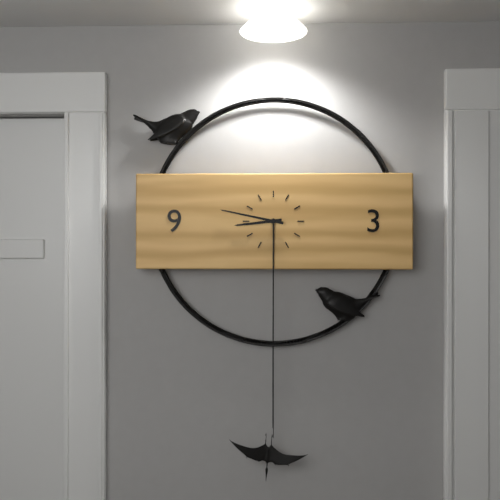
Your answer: 8.47
